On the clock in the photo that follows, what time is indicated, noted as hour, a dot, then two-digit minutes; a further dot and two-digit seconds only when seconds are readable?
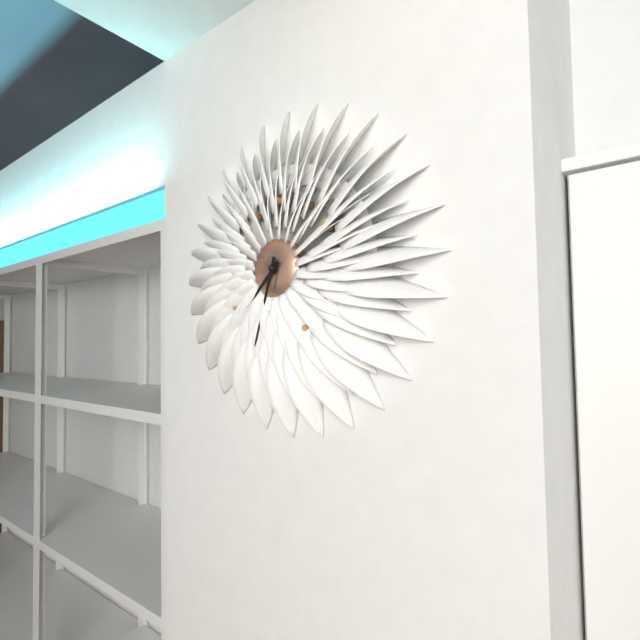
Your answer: 7.33
